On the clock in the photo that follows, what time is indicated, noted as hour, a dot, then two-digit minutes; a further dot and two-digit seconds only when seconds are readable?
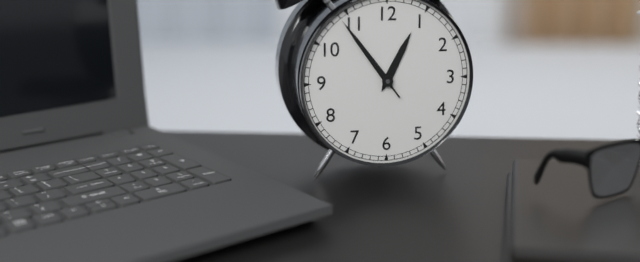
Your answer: 12.54.54
